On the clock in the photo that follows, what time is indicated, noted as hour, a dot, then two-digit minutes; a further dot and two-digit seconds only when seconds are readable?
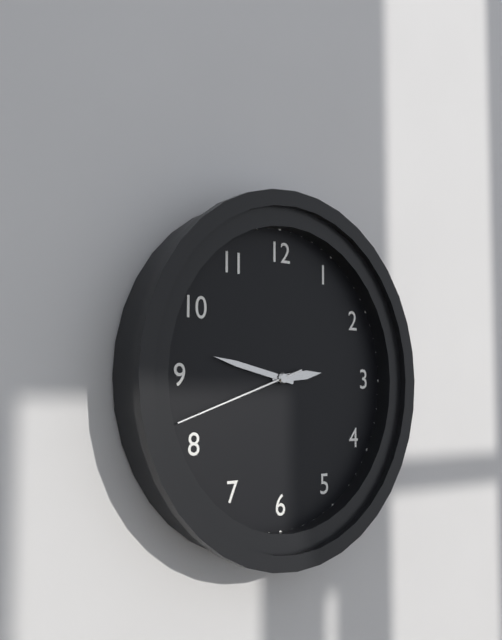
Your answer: 2.47.42
